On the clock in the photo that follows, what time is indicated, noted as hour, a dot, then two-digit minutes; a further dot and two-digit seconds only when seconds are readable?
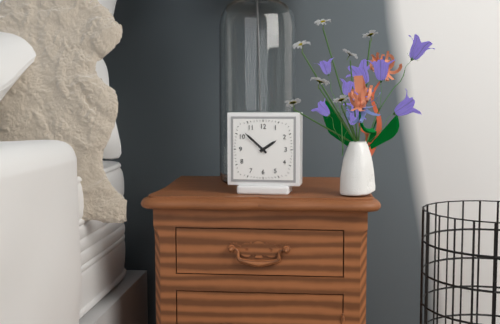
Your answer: 1.52
